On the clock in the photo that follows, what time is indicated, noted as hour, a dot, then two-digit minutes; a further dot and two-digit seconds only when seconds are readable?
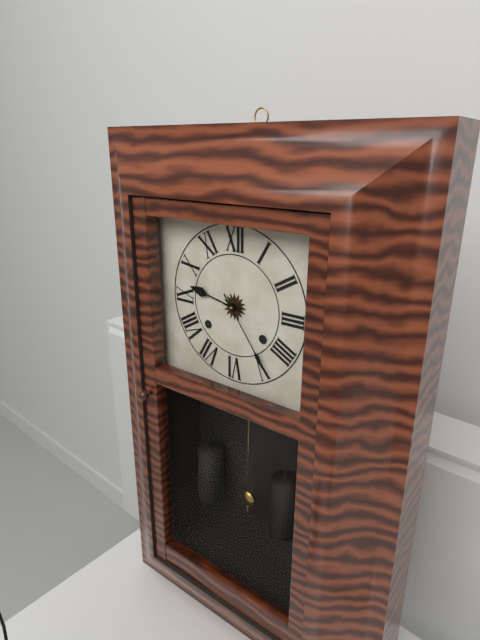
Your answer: 9.24
